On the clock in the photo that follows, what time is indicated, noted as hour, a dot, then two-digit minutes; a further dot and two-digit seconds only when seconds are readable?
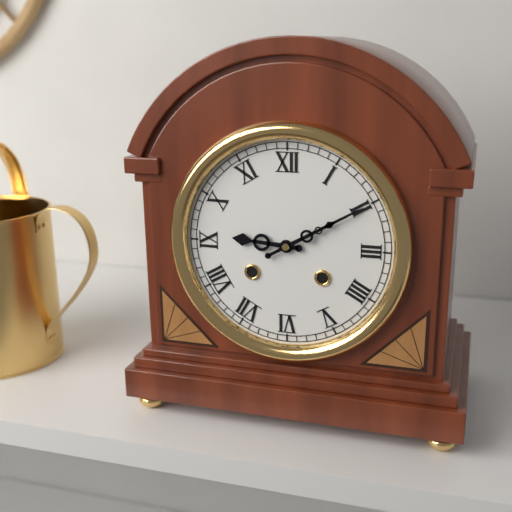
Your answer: 9.10
